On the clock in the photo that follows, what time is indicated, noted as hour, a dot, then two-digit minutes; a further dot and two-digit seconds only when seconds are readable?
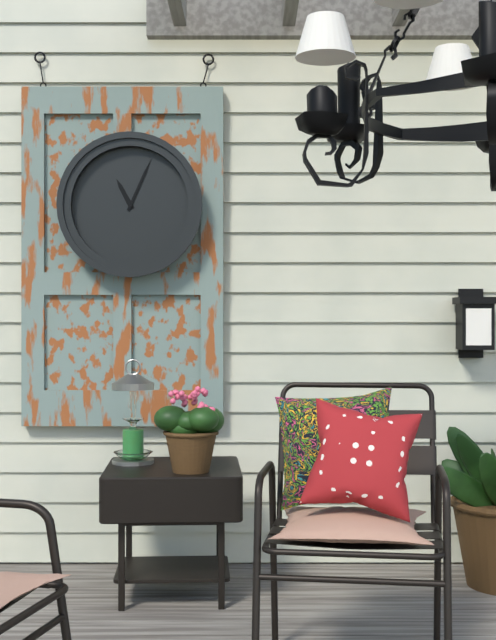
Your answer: 11.04
